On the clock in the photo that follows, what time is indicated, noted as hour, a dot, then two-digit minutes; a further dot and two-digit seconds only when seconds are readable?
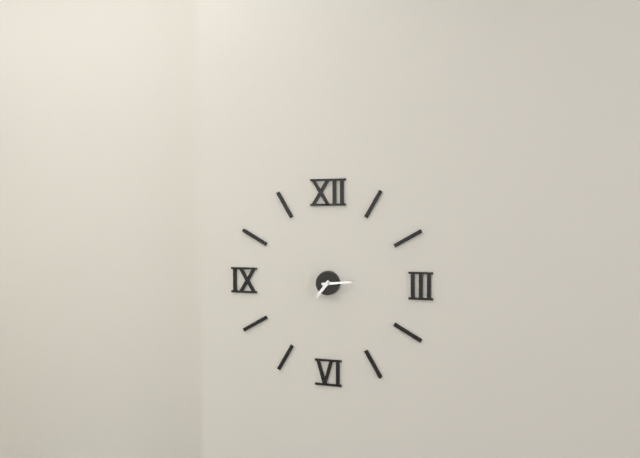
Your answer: 7.14
